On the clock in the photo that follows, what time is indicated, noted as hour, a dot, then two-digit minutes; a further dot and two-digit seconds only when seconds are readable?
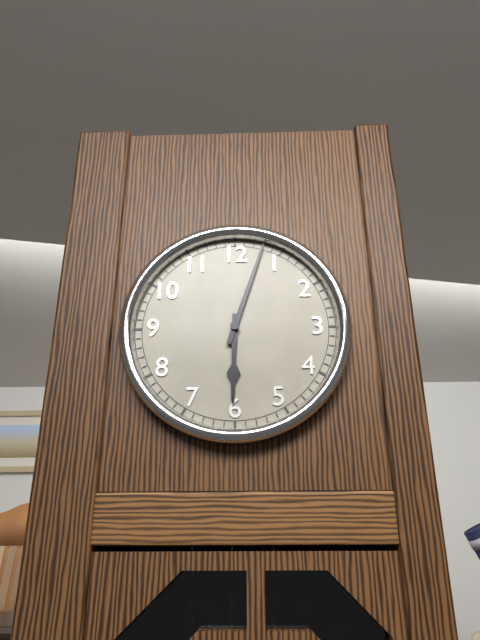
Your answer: 6.03
